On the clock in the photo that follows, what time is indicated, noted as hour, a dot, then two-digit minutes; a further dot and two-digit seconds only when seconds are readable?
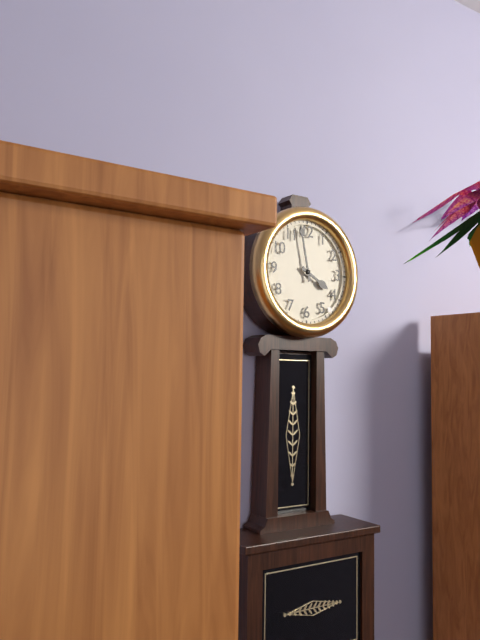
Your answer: 3.58
